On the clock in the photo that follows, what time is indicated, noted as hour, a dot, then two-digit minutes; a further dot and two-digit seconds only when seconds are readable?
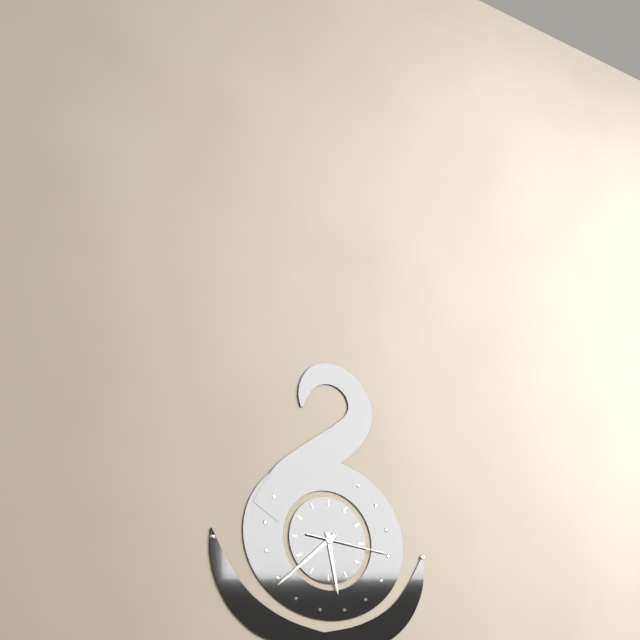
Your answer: 5.38.16
